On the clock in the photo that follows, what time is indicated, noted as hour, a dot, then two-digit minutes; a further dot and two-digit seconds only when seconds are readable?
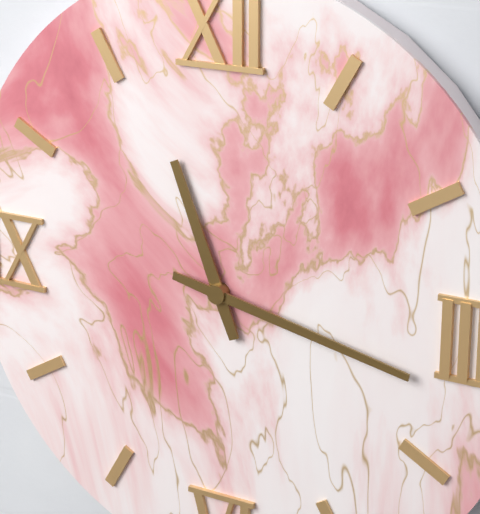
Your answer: 11.17
